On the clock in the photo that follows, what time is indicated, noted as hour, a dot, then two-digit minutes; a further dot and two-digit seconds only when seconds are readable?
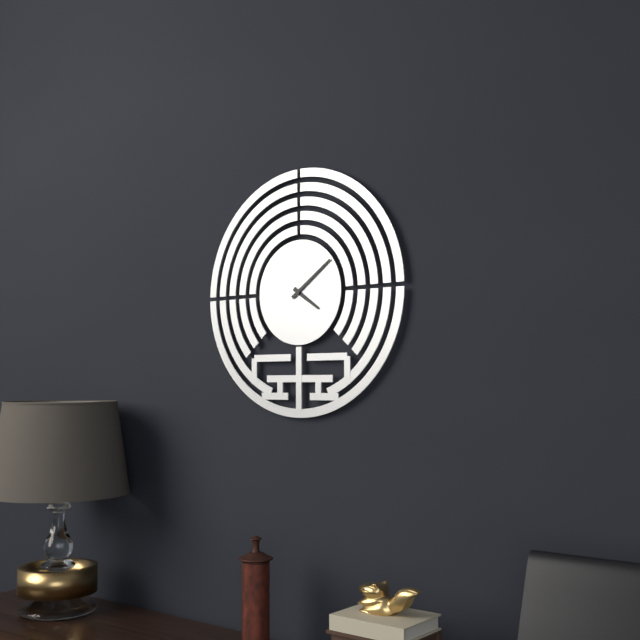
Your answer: 4.09
